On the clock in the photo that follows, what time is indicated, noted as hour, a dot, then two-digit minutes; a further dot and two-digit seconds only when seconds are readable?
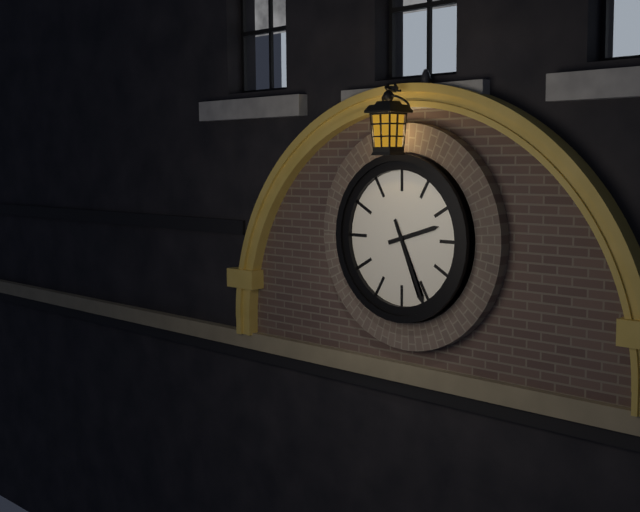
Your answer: 2.26
